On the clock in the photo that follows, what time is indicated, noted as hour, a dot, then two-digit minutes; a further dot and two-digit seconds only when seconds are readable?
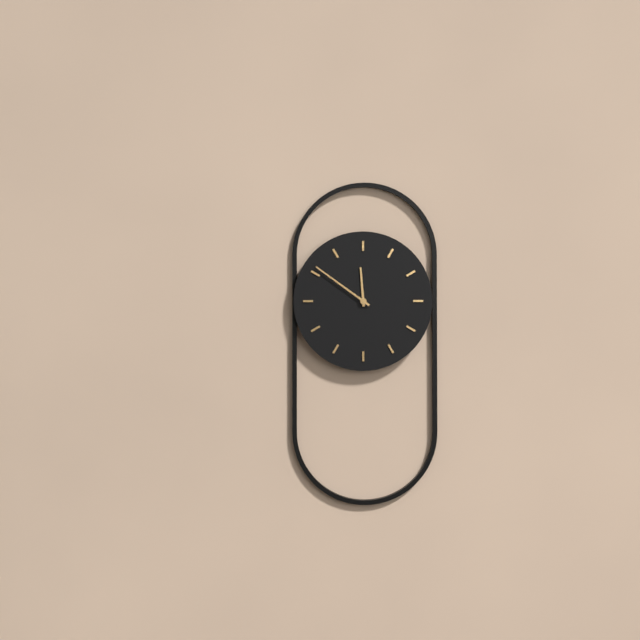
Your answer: 11.51
